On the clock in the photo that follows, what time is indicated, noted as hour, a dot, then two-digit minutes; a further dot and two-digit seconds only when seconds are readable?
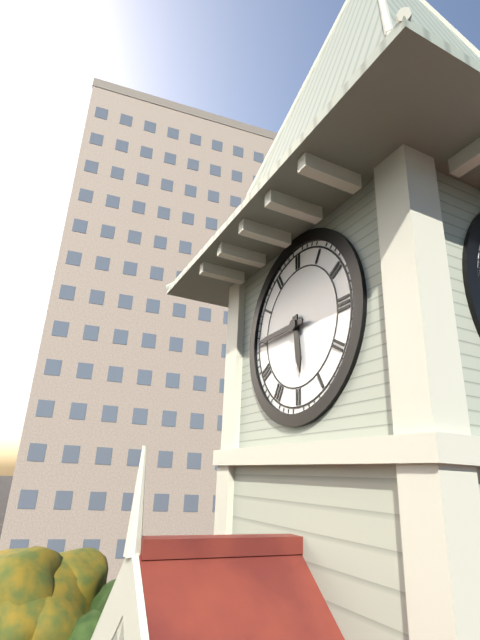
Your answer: 5.45
